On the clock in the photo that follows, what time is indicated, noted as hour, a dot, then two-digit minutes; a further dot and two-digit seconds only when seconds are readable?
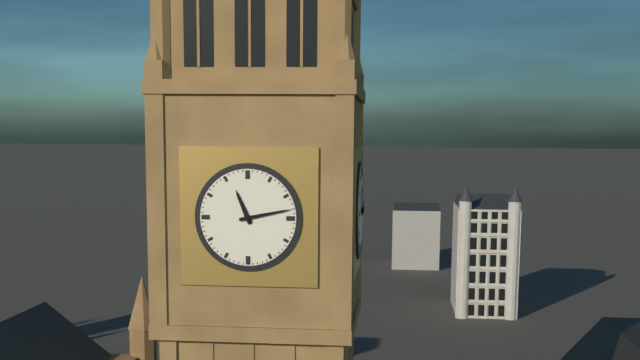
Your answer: 11.13
